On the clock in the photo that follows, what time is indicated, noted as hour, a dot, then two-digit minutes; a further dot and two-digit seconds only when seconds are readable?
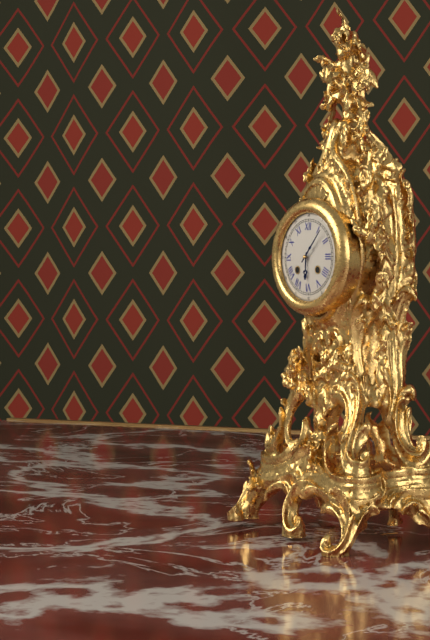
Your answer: 6.07
